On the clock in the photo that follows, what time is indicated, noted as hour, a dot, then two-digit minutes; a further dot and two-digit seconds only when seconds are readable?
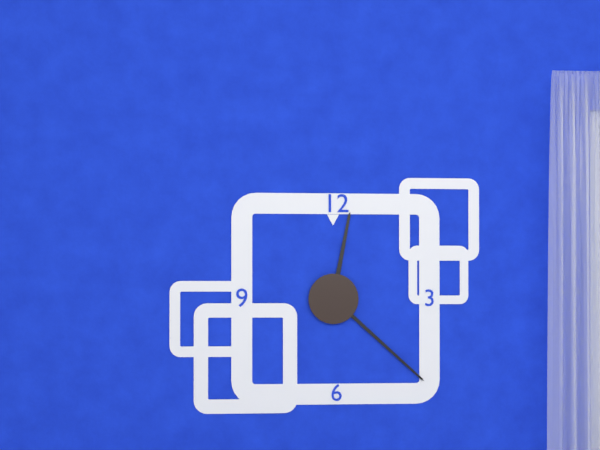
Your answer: 12.22
